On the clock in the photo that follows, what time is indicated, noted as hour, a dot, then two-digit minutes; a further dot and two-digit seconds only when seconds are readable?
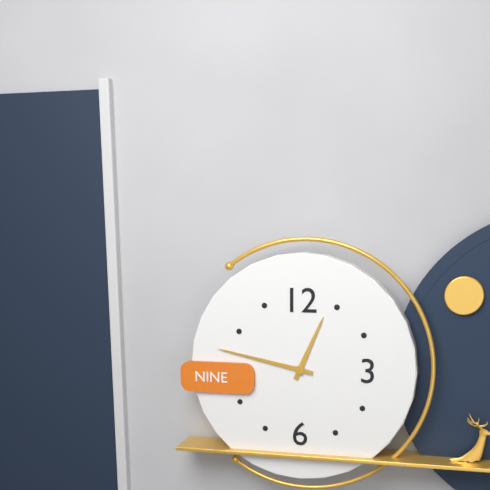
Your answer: 12.47
